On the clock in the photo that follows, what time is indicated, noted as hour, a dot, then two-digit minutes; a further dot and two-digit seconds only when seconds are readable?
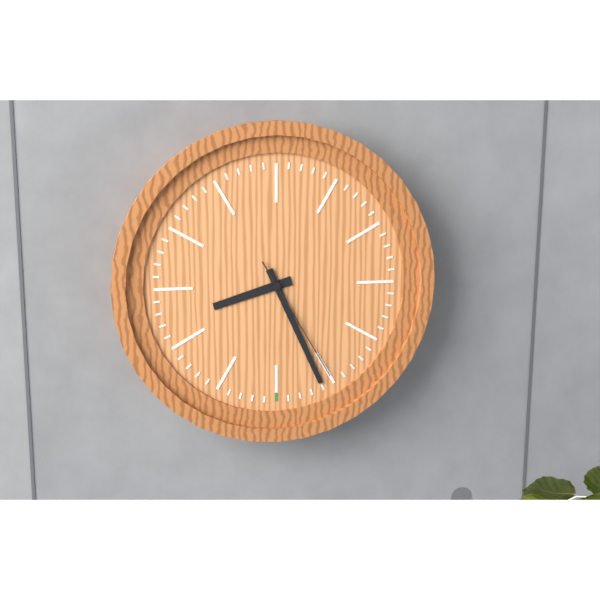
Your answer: 8.26.25
